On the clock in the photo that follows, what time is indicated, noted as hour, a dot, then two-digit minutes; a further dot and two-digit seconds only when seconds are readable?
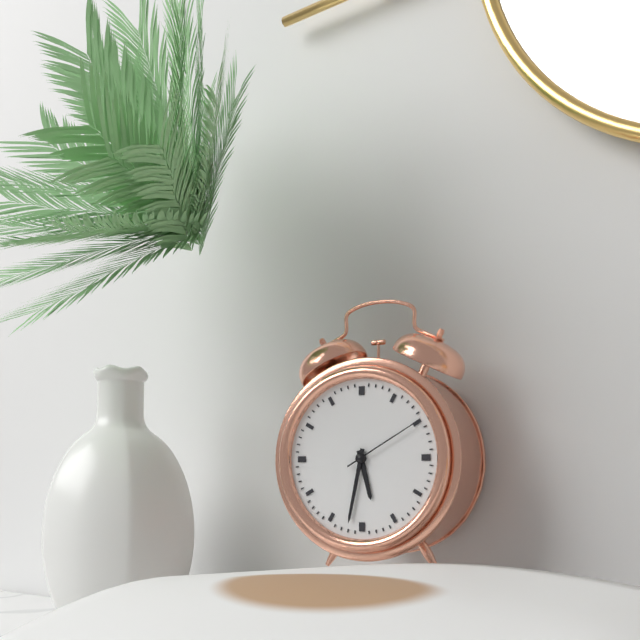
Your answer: 5.32.10
